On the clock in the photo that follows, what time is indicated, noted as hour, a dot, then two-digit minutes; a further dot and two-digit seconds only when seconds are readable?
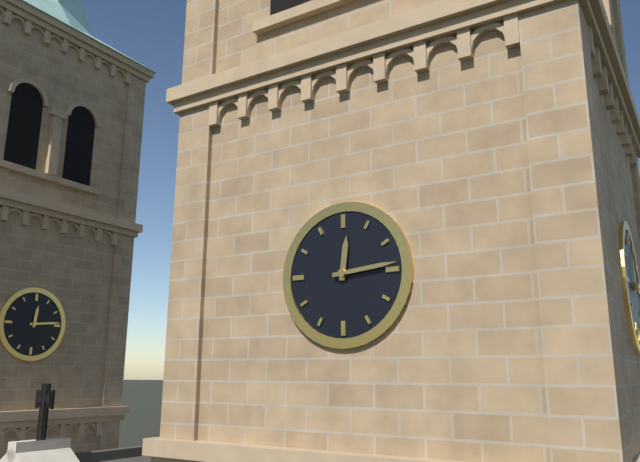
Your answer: 12.14
